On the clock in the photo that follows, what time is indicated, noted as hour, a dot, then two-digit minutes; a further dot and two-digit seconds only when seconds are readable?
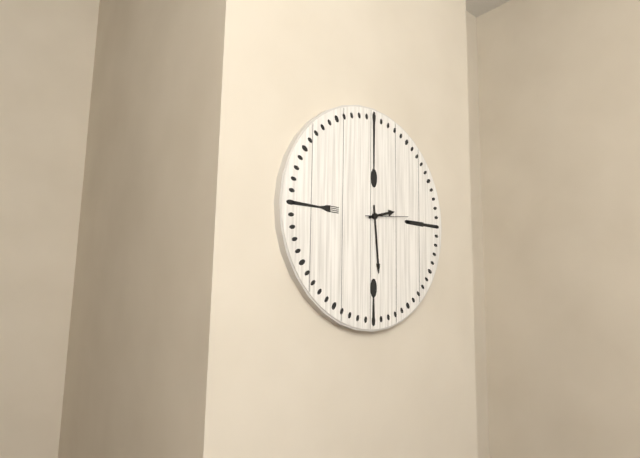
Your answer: 2.29
